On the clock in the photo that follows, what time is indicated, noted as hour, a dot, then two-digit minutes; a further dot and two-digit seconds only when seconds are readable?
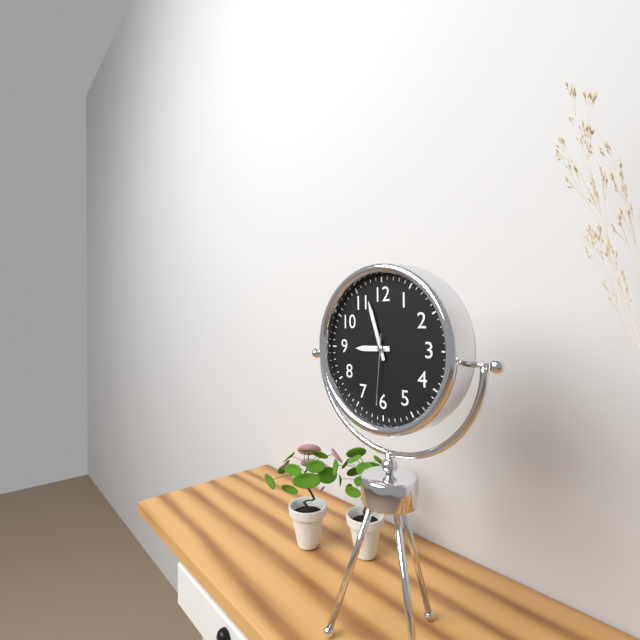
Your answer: 8.57.31
